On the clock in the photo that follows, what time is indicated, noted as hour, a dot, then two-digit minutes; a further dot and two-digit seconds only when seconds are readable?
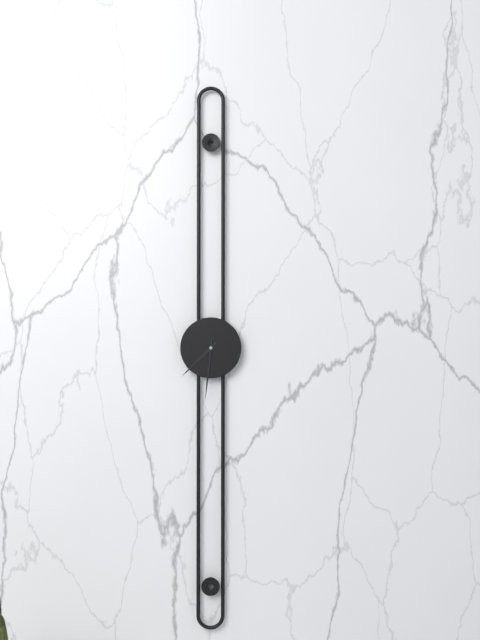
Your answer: 7.31
